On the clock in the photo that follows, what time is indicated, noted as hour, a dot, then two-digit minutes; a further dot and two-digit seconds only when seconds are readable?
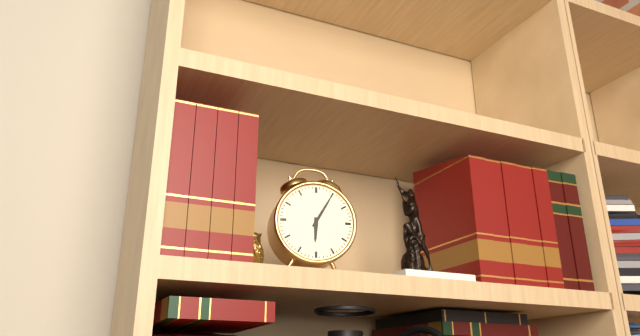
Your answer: 6.05
